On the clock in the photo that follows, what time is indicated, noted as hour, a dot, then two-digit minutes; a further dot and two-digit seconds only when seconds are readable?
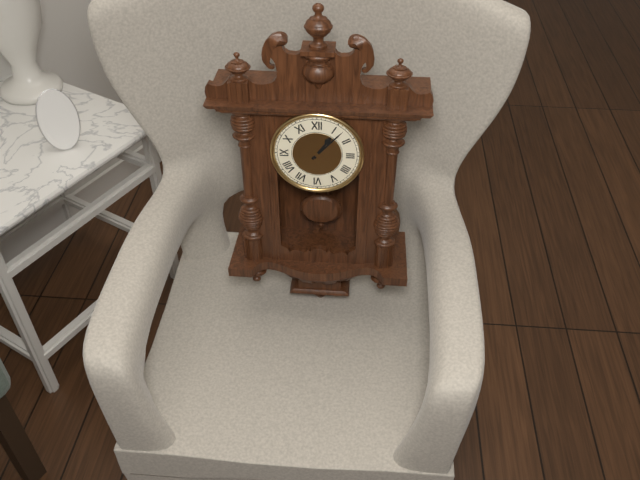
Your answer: 1.07
